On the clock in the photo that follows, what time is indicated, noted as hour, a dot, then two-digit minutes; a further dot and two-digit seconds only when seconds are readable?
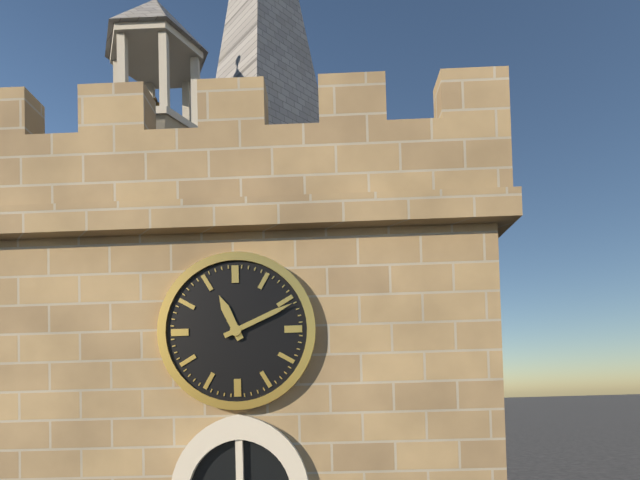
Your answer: 11.11
